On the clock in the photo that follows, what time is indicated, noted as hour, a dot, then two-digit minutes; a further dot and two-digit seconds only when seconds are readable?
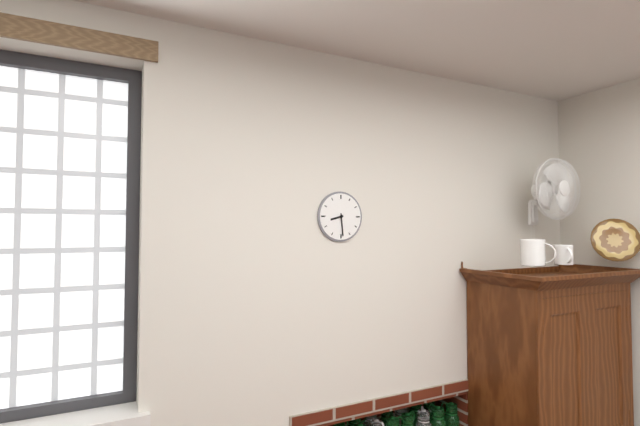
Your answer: 8.29
